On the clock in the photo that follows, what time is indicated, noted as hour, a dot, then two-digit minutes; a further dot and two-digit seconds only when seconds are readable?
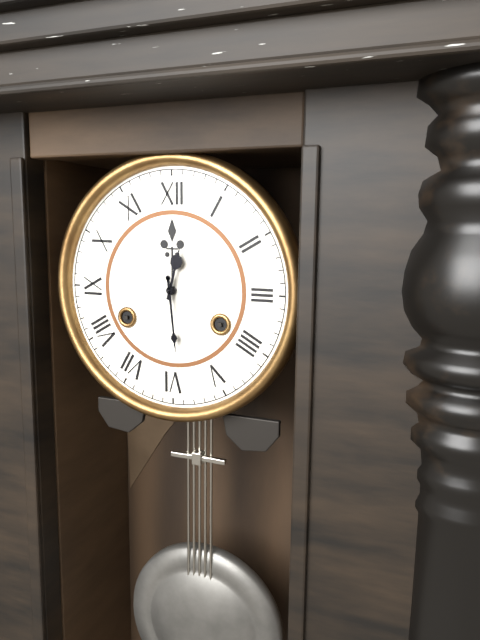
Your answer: 12.29
